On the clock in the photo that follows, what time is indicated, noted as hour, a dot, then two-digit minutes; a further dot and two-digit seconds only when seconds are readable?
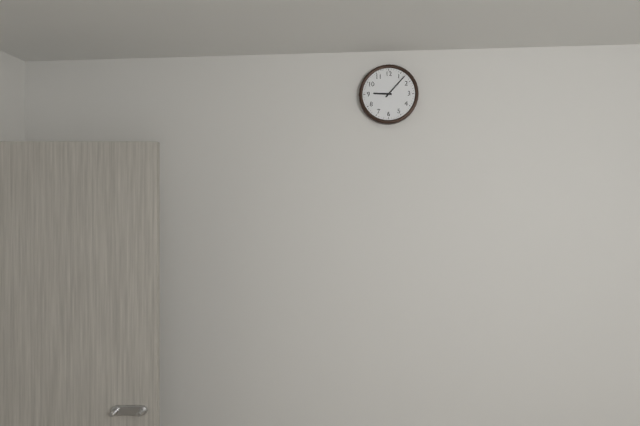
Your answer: 9.07
